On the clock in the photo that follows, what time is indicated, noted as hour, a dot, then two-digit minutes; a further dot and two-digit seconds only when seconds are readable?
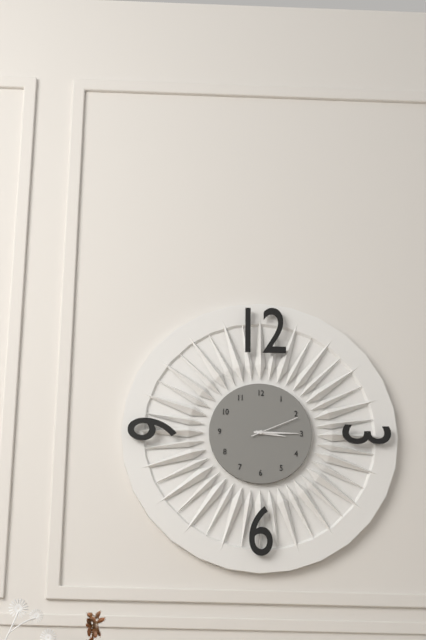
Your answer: 3.15.11
